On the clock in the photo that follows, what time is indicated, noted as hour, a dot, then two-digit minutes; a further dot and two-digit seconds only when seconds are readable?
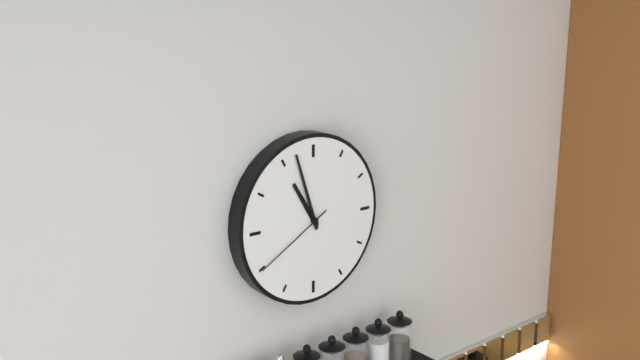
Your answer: 10.57.40
